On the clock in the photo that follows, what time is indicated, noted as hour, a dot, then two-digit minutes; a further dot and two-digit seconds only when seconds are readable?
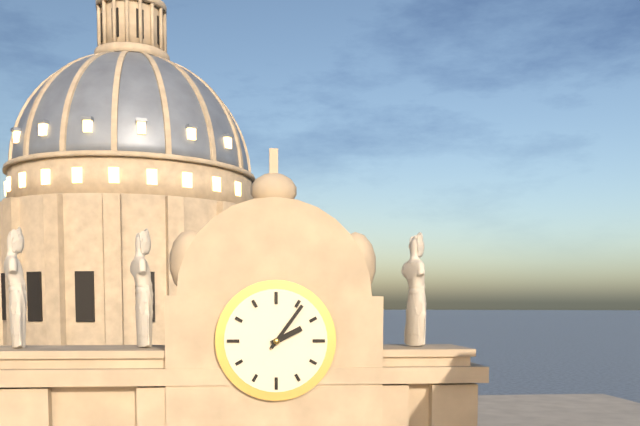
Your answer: 2.06
